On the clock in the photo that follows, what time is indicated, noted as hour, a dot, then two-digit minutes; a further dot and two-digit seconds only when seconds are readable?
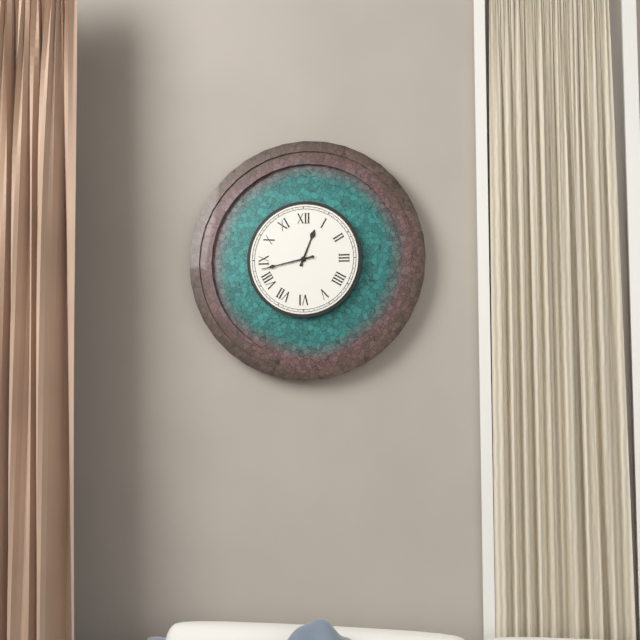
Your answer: 12.43
